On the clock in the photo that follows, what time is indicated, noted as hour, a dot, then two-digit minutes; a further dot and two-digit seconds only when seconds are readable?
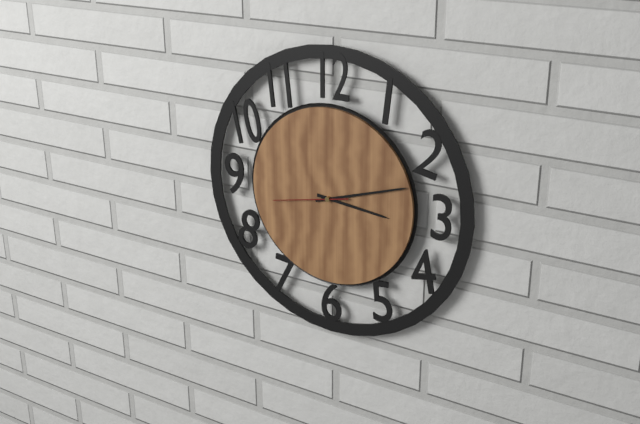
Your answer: 3.12.43
